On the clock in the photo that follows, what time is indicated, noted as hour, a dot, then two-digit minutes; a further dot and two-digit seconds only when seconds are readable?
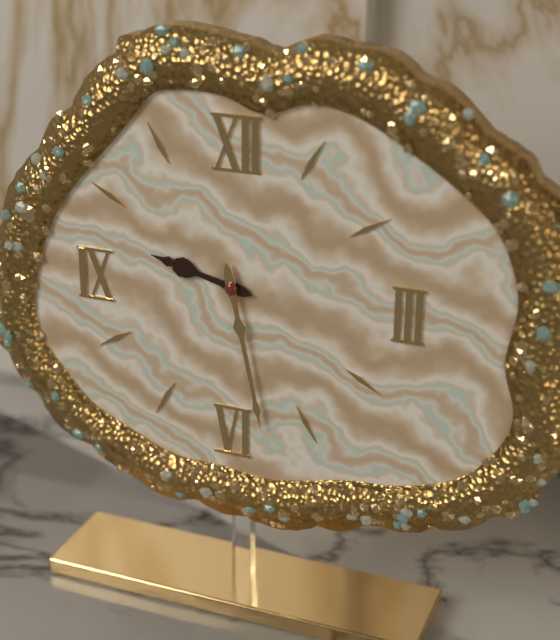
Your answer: 9.28
